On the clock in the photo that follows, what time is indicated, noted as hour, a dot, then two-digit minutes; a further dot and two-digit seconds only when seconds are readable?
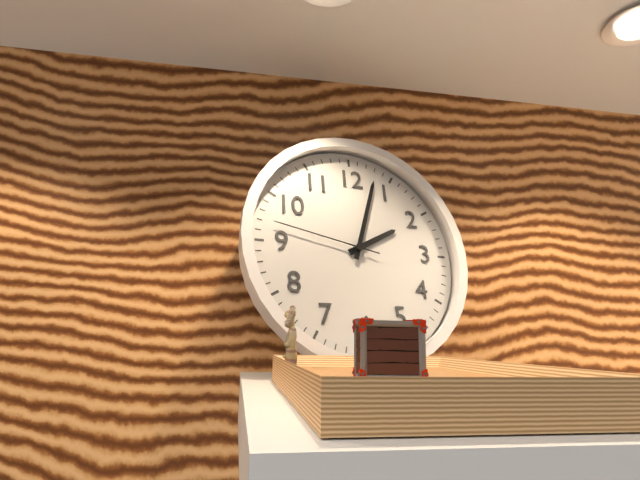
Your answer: 2.03.47
